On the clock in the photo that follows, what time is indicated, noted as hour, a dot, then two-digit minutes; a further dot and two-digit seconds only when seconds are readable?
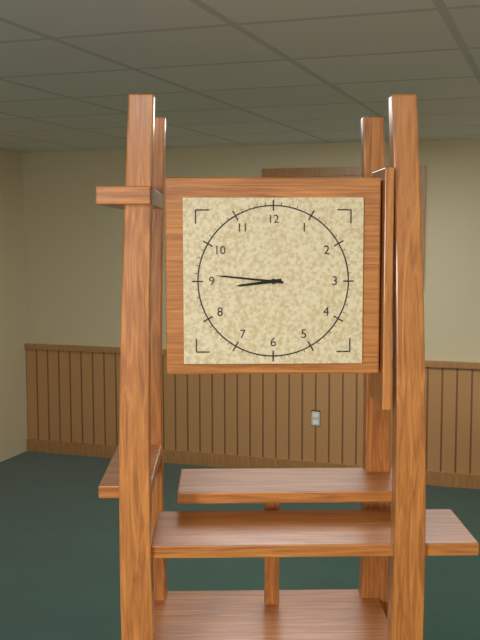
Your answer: 8.46
